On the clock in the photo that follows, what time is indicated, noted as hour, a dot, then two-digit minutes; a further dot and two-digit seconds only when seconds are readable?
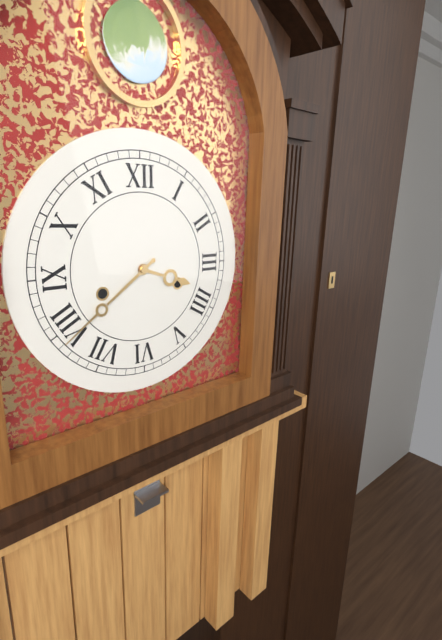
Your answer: 3.39
